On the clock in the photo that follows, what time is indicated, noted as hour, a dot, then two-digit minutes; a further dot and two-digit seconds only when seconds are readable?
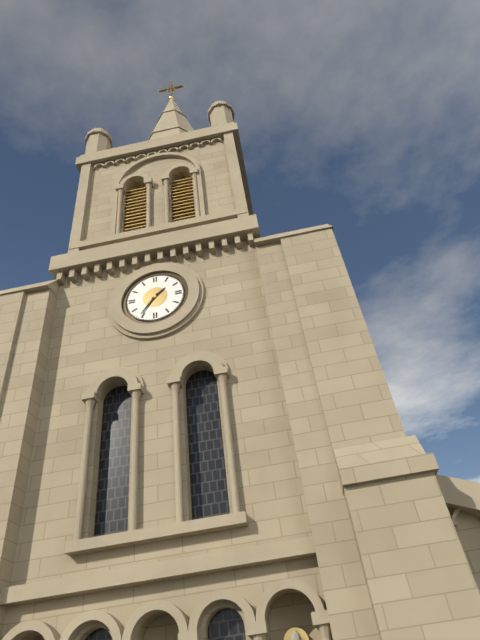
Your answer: 1.36
